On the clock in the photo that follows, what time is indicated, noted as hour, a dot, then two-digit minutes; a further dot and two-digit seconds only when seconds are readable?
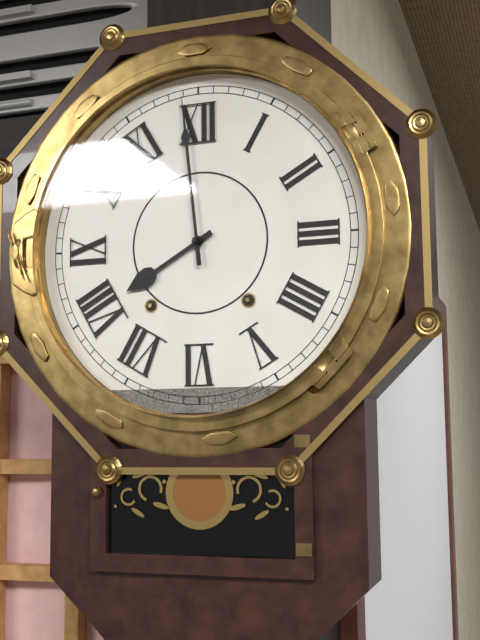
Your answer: 7.59
